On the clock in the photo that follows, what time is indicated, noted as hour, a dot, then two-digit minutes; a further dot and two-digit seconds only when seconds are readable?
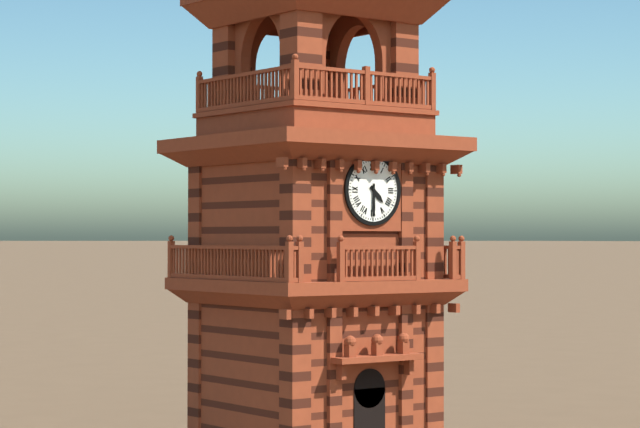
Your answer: 4.30
